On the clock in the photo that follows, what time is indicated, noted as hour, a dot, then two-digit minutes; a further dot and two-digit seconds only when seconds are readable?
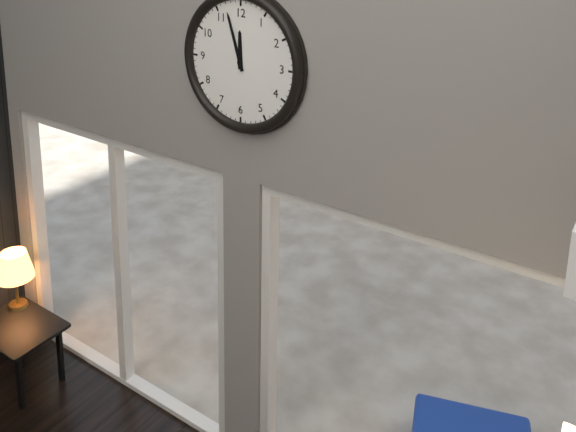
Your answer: 11.57
